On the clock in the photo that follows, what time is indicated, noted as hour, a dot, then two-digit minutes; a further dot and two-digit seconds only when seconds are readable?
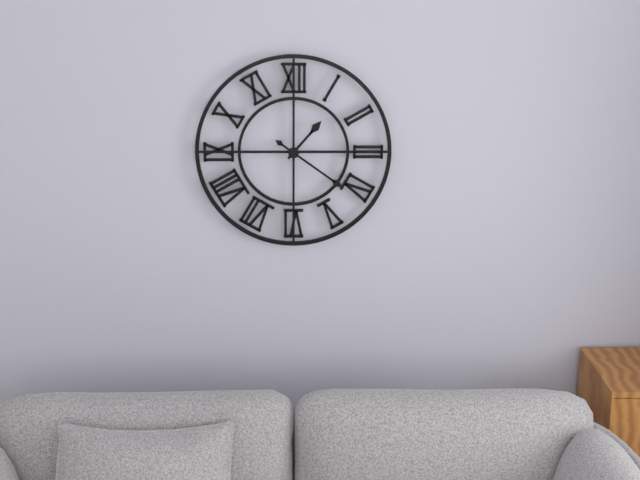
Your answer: 1.21
